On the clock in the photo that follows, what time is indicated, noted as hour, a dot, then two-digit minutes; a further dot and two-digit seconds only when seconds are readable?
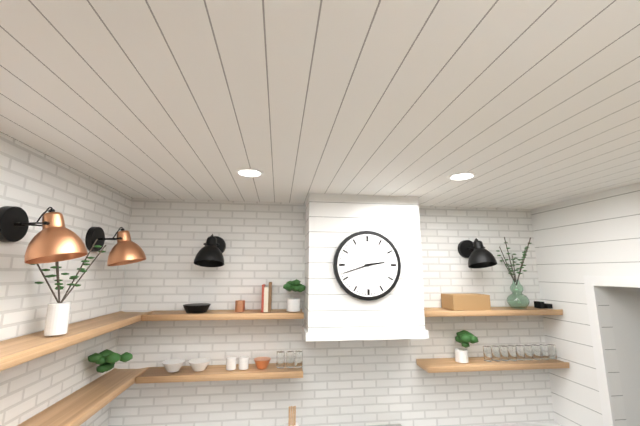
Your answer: 2.42
